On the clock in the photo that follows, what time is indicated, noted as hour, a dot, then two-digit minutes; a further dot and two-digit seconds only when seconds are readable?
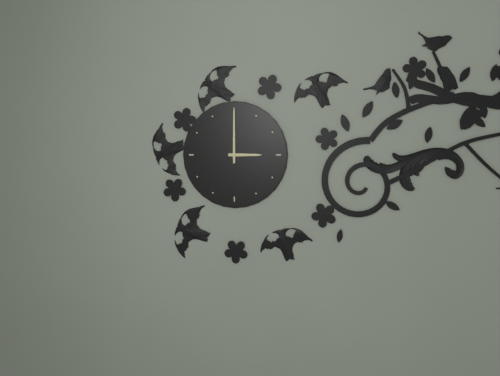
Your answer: 3.00
